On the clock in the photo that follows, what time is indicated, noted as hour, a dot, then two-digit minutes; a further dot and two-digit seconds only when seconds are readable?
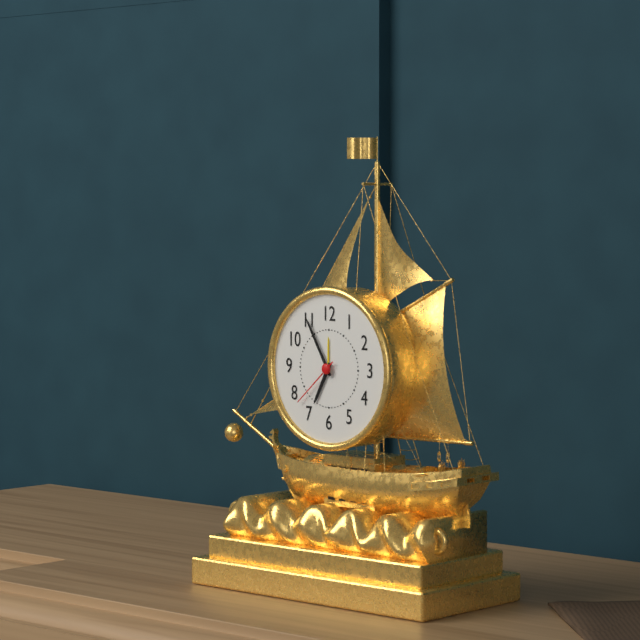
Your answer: 6.55.38
